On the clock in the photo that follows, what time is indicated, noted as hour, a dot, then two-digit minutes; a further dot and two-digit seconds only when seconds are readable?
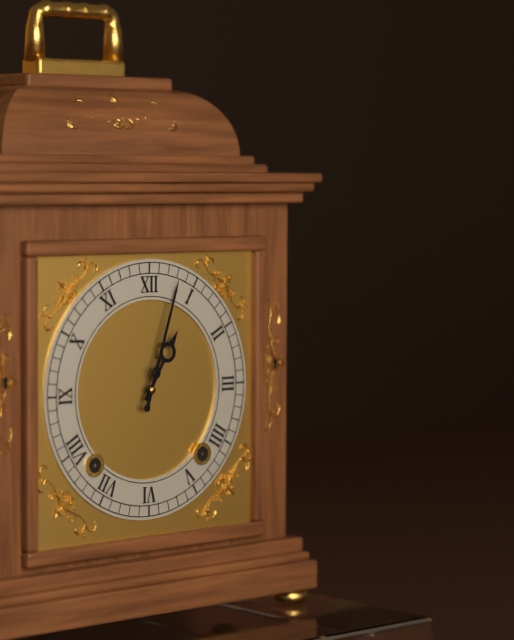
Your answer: 1.03
